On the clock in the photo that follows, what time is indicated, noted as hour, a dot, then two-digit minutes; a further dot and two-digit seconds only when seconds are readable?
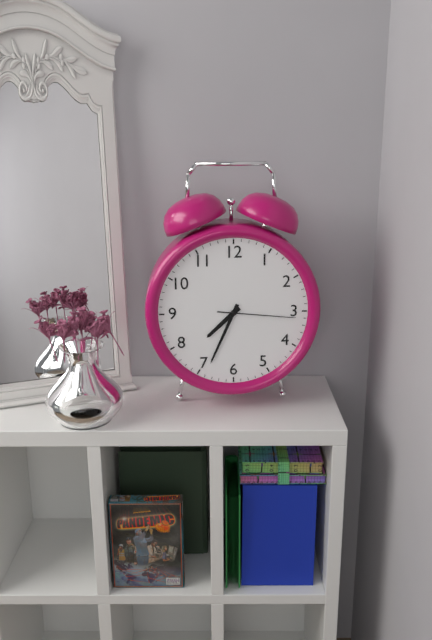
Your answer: 7.34.16
